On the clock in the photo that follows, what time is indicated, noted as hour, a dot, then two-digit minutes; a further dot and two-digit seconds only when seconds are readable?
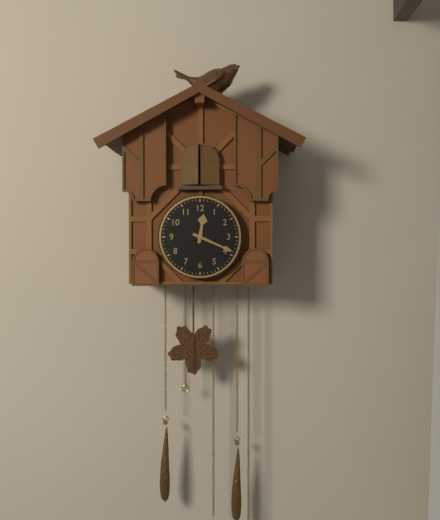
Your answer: 12.19
